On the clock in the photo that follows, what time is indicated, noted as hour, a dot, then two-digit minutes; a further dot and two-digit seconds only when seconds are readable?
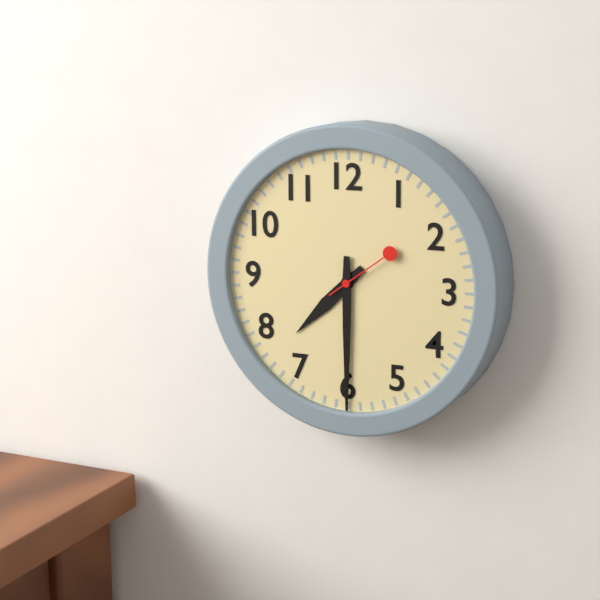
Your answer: 7.30.09
